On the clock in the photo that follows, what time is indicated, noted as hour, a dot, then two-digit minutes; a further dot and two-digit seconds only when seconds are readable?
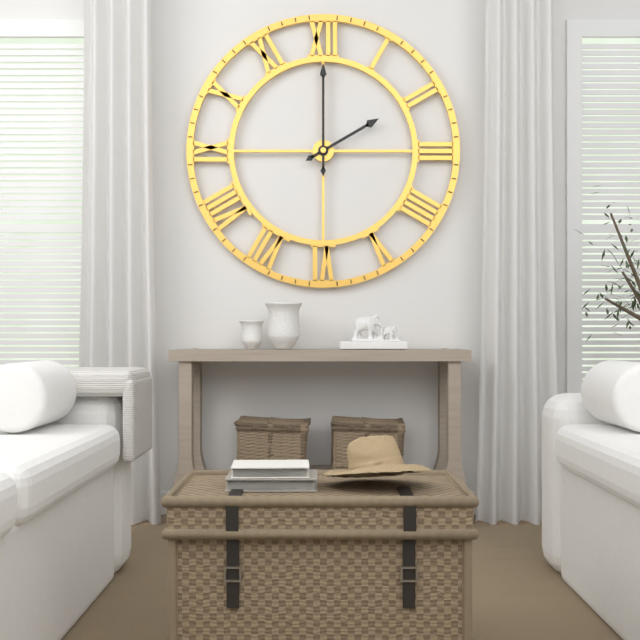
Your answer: 2.00
